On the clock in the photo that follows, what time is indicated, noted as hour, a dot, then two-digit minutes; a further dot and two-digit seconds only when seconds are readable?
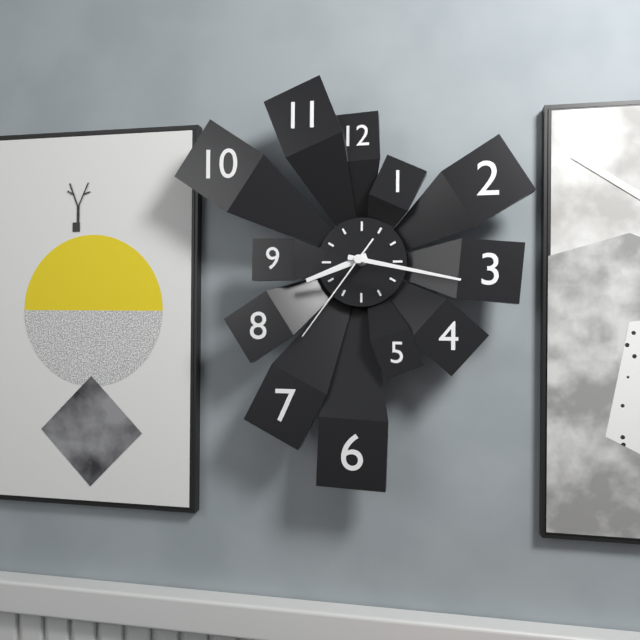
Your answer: 8.17.36
